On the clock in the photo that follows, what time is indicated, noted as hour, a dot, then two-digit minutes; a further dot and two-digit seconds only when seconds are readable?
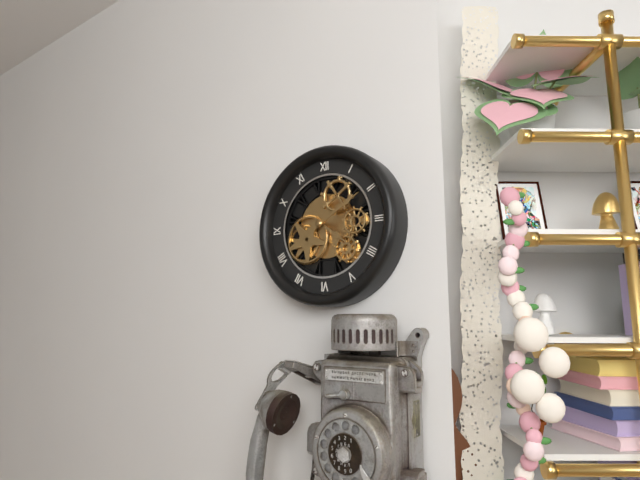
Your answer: 4.10
